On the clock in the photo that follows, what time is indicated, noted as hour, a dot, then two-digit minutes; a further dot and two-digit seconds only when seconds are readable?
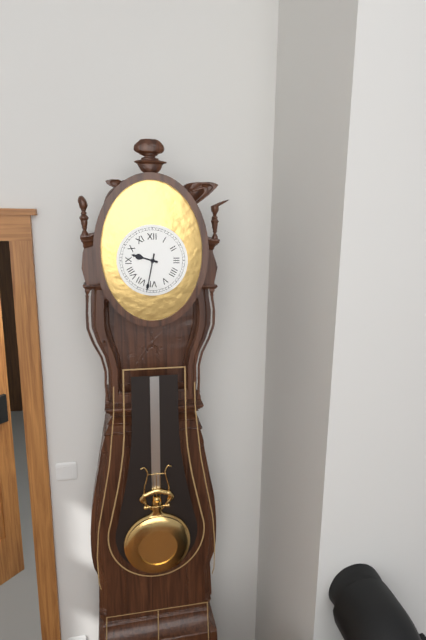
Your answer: 9.32
